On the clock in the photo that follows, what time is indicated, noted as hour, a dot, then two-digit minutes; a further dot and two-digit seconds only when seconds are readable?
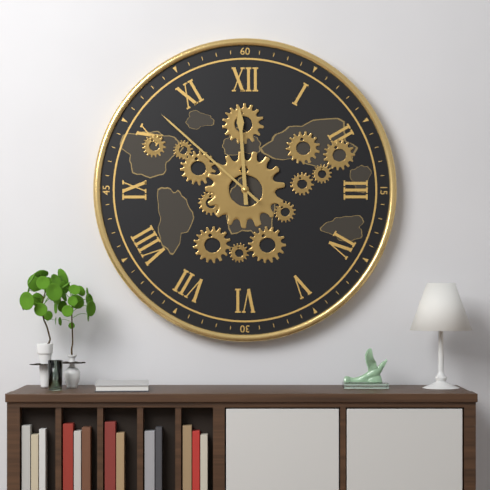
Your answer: 11.52
